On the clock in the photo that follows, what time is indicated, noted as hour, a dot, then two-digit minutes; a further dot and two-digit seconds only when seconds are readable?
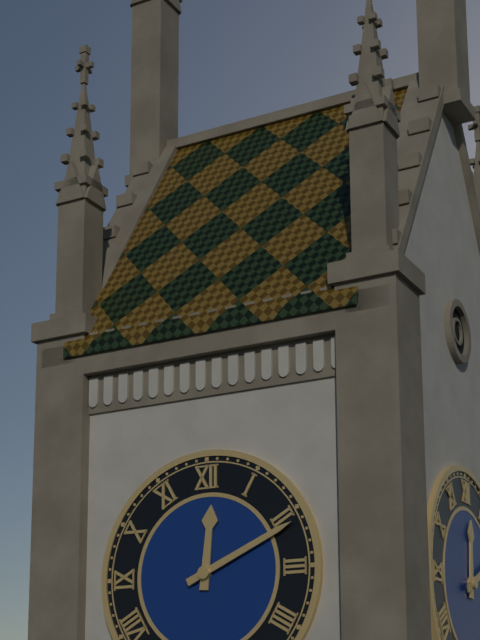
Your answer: 12.11
